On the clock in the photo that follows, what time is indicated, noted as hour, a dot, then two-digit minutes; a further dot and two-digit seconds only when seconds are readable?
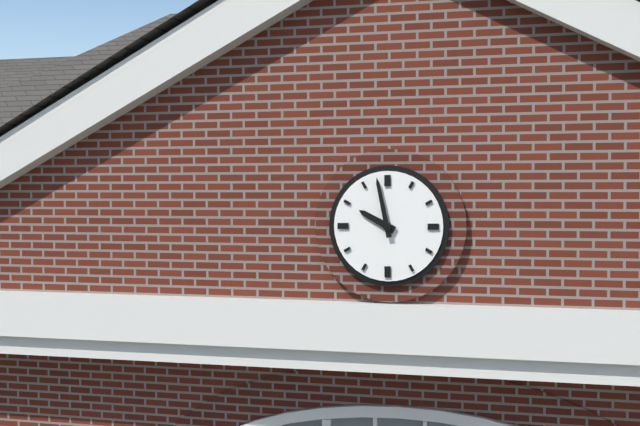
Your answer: 9.58
